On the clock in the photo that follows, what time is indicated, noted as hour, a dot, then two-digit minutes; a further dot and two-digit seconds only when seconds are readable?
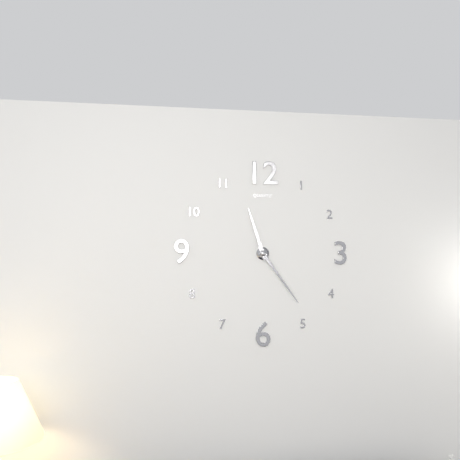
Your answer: 11.24
